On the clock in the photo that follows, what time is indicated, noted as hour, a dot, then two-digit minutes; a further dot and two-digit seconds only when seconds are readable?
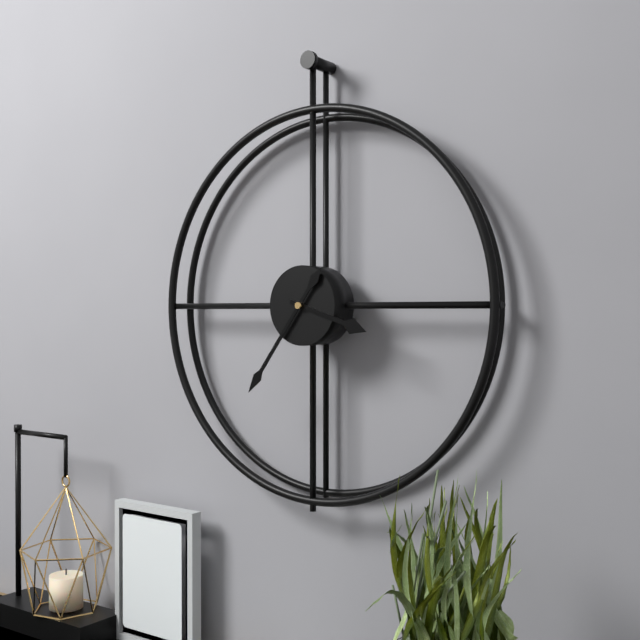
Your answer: 3.36
